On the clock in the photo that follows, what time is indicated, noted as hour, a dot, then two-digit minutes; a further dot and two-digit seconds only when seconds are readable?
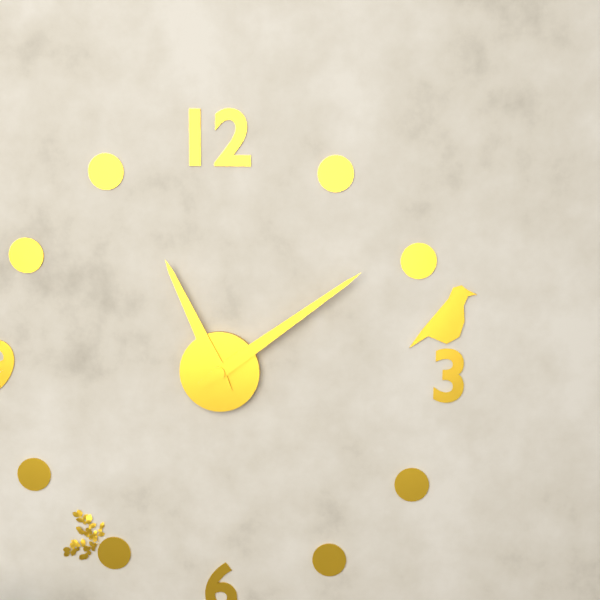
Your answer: 11.09
